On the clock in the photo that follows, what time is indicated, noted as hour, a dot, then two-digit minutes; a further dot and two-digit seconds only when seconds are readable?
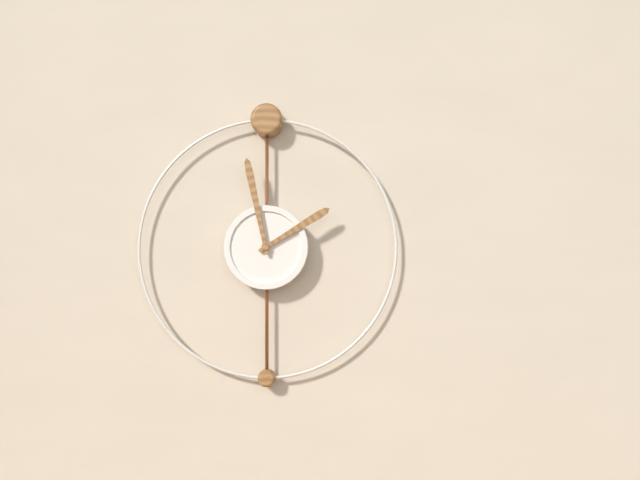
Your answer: 1.58
